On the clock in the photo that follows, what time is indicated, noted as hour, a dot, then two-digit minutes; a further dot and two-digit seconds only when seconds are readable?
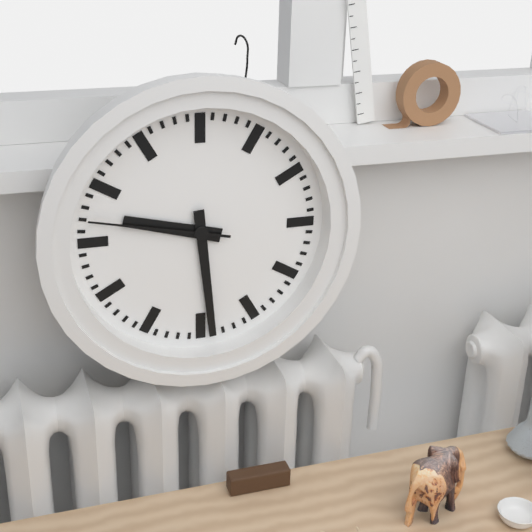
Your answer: 9.29.47
